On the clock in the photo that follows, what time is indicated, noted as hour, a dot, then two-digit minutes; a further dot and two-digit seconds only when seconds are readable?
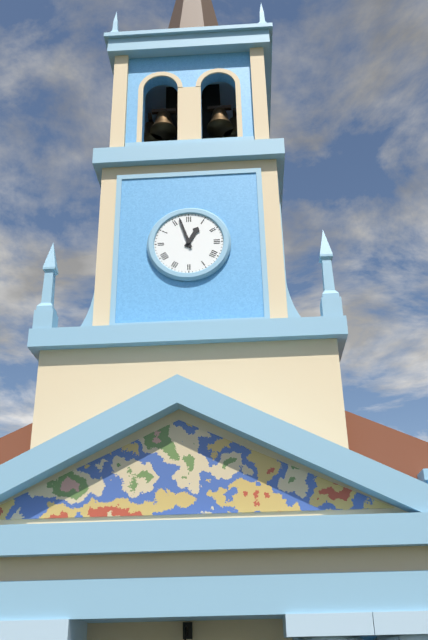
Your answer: 12.57
